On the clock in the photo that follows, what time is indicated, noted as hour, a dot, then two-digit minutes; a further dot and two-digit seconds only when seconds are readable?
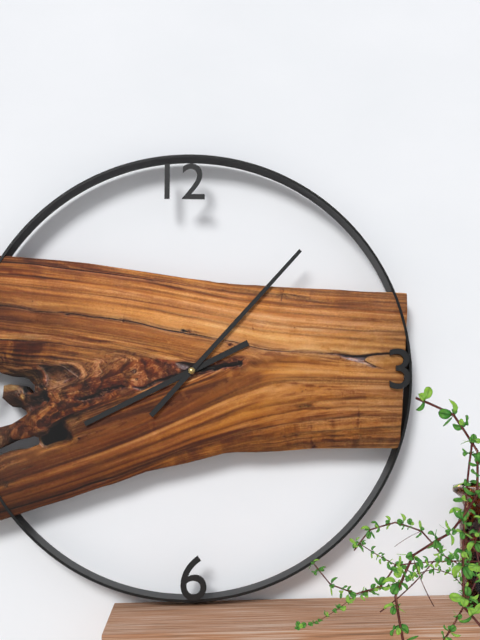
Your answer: 8.07
